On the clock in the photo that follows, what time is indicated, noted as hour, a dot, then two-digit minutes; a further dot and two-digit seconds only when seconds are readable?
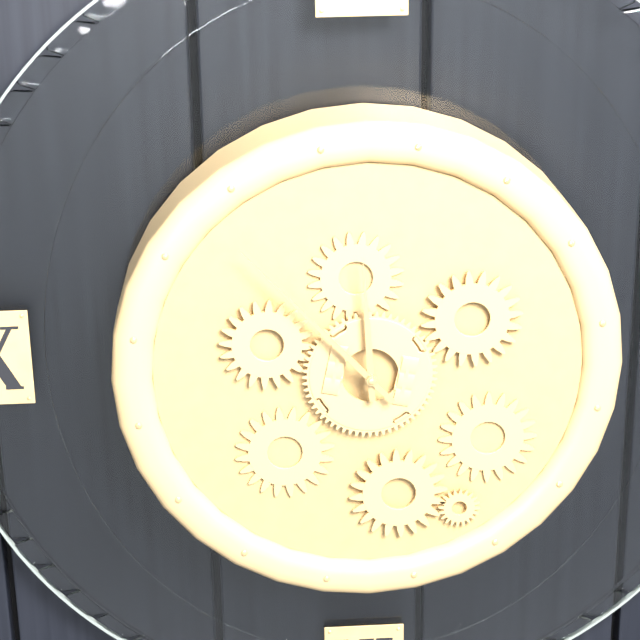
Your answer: 11.53
